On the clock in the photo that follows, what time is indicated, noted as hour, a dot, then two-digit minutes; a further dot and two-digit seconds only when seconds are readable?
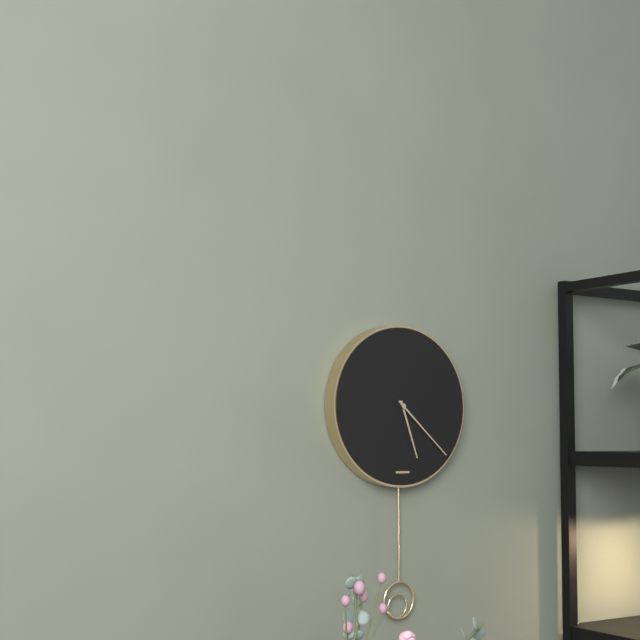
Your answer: 5.22
